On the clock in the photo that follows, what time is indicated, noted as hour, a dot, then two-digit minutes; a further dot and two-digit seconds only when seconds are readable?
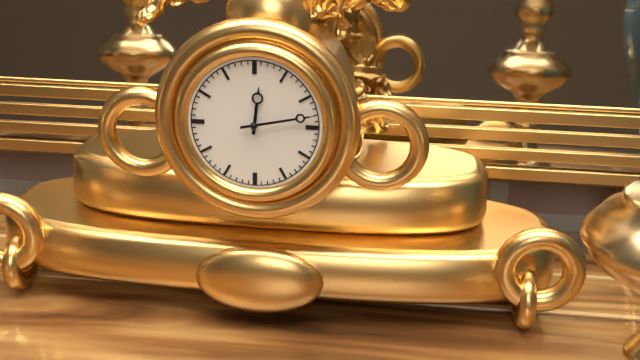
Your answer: 12.13
